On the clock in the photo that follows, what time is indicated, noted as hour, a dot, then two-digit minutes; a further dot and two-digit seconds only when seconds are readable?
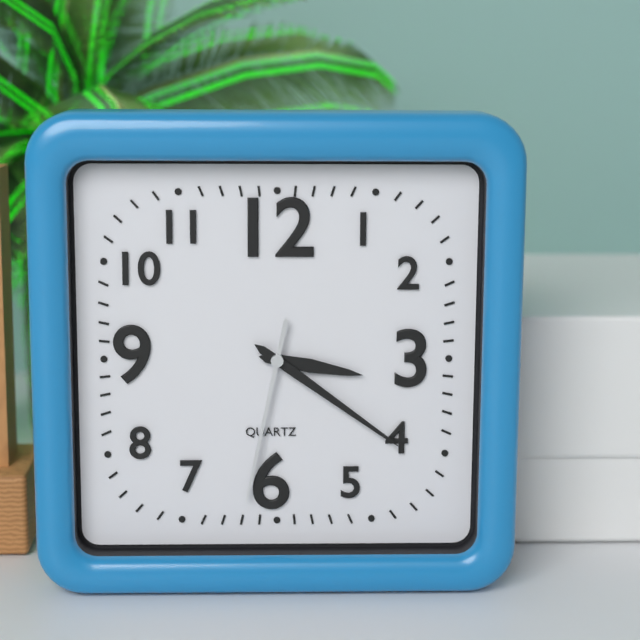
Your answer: 3.21.32
